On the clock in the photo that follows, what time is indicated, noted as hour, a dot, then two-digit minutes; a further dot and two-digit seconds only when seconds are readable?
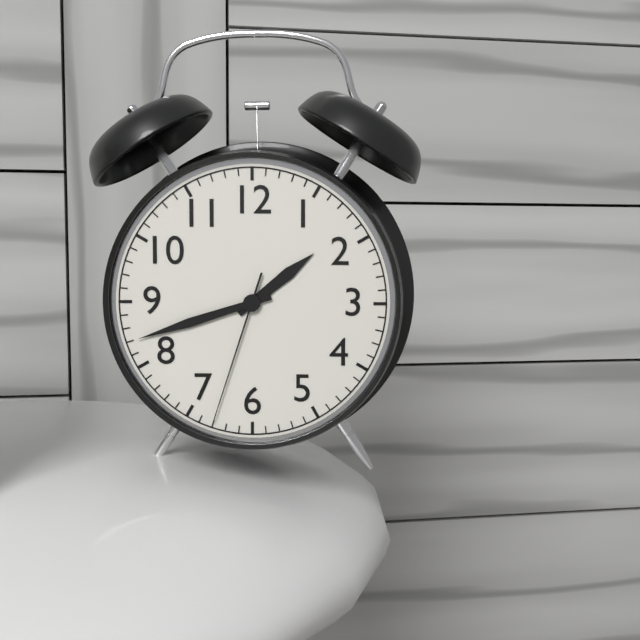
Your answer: 1.42.33
